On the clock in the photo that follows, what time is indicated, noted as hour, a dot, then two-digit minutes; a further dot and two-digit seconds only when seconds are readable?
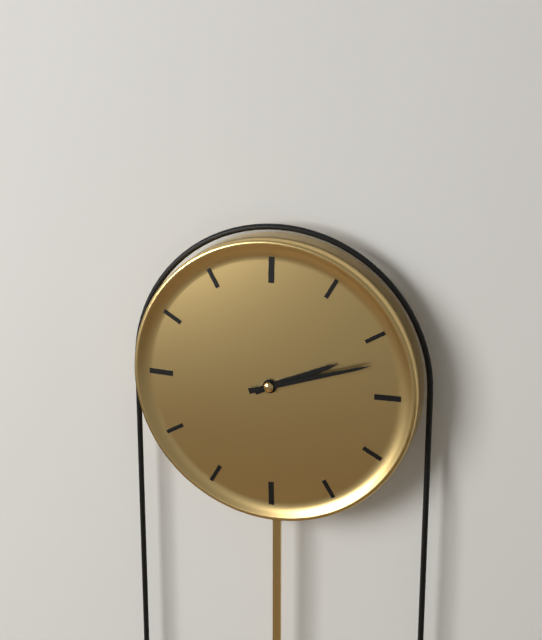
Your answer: 2.12
